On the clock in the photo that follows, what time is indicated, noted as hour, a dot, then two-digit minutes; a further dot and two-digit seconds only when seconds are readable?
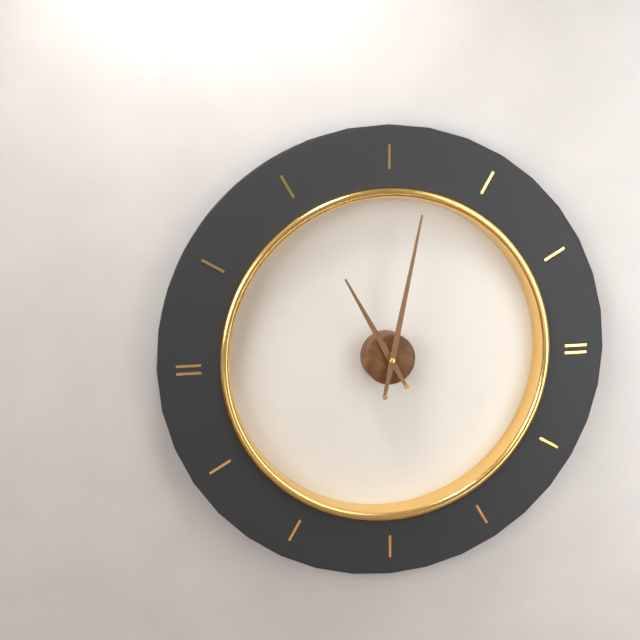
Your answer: 11.02
